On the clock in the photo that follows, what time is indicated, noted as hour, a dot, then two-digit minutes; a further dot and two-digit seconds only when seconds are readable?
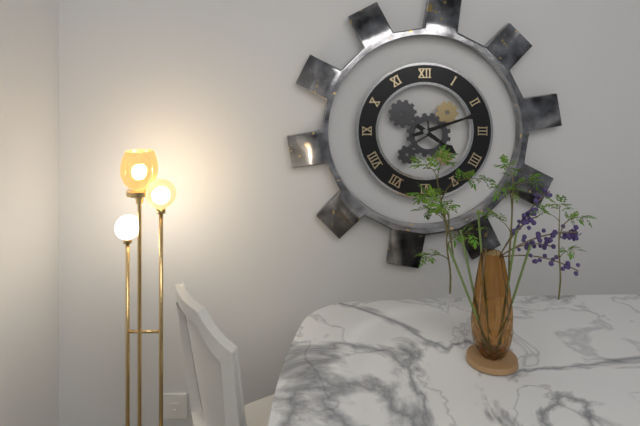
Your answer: 4.12
